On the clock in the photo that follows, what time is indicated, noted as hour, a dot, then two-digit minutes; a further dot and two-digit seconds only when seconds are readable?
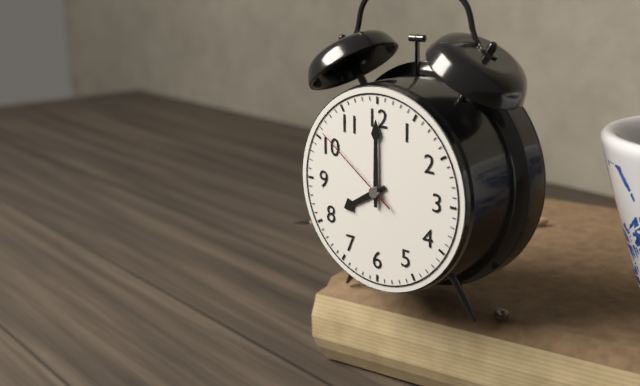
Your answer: 8.00.51
